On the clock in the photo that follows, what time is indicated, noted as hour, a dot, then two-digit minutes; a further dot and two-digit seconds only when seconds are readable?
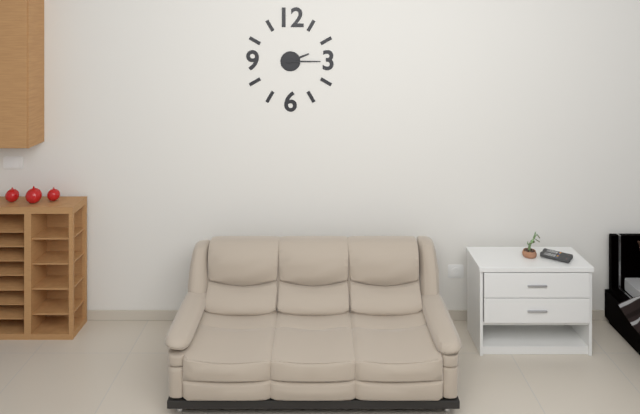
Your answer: 2.15
